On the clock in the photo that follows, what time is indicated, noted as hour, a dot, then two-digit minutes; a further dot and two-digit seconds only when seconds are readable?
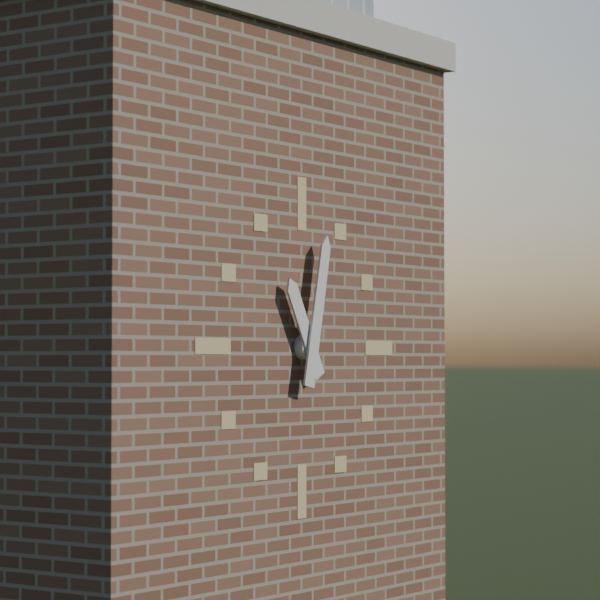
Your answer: 11.02
